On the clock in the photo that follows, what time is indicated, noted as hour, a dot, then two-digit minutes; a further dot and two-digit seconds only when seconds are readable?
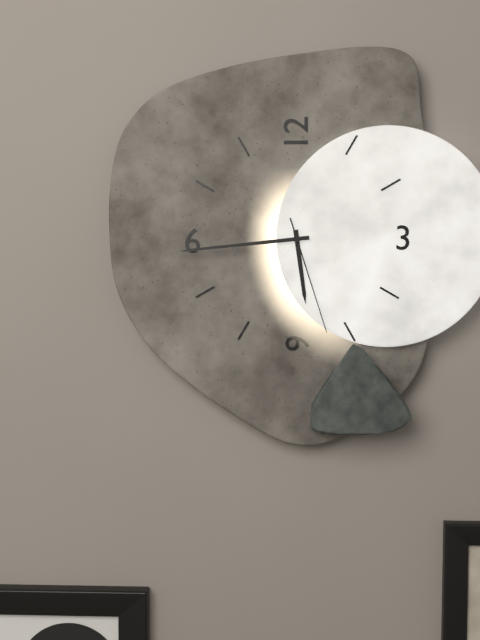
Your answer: 5.44.27
